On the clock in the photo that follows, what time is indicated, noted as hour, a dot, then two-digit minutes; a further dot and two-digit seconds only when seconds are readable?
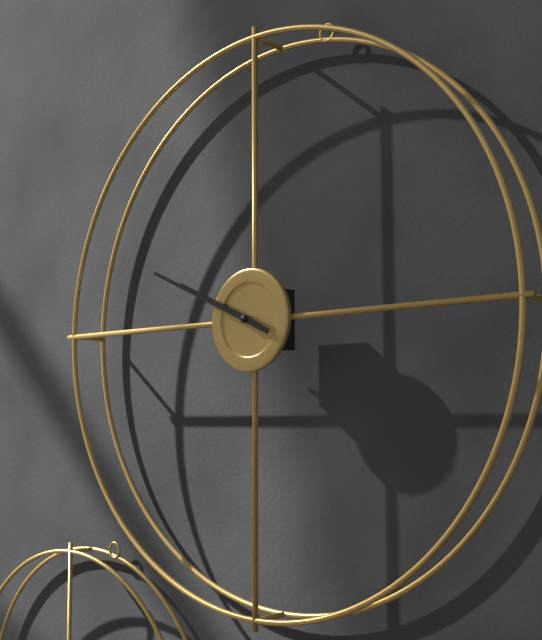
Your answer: 9.49
